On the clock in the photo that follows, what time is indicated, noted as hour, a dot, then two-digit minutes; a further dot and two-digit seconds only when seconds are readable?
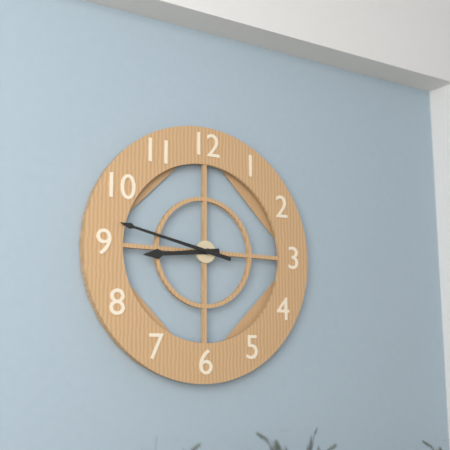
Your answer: 8.47
